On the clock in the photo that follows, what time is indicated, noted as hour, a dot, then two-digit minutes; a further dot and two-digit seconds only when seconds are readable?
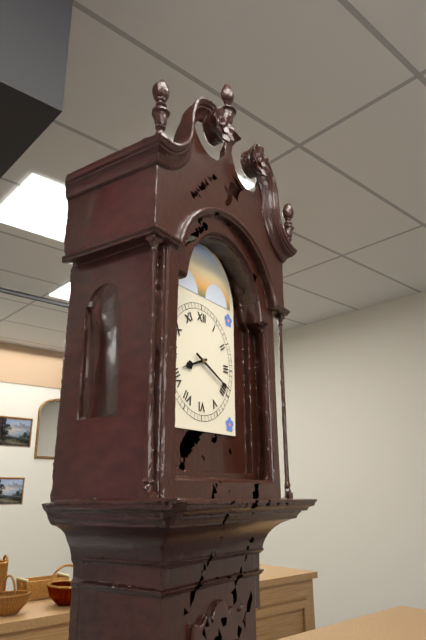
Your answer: 8.19
